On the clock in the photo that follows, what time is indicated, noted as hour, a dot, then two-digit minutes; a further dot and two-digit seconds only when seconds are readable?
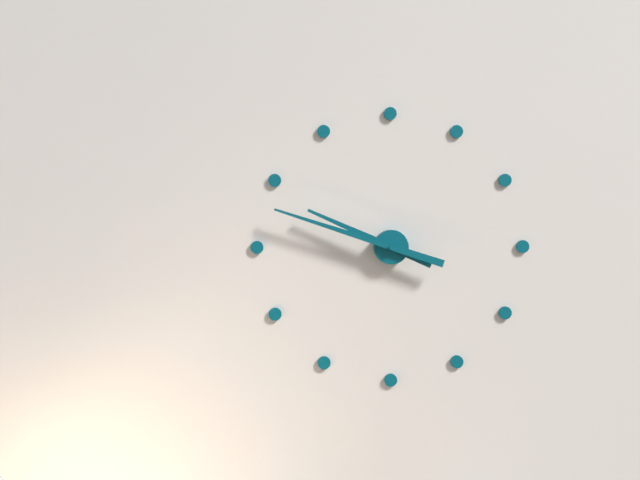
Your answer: 9.48
